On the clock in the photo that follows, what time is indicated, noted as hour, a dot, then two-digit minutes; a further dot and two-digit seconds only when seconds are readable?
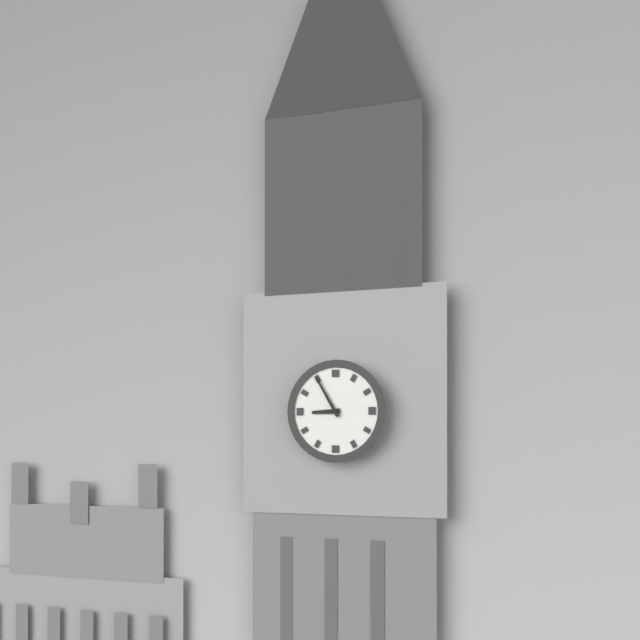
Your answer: 8.55
